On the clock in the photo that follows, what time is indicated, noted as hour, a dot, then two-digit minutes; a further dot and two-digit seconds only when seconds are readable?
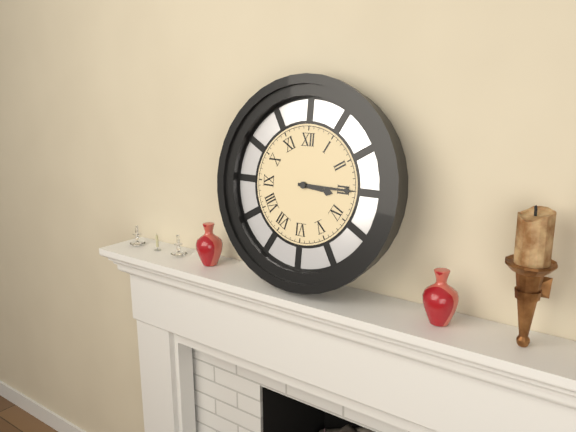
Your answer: 3.15
